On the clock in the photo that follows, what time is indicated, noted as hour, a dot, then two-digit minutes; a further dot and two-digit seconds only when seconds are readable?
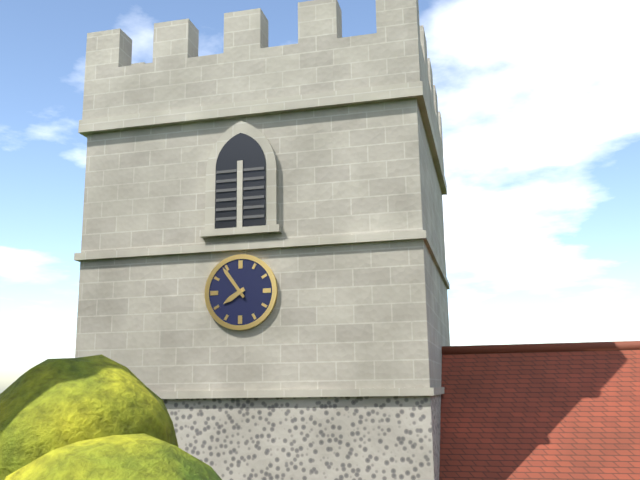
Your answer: 7.54
